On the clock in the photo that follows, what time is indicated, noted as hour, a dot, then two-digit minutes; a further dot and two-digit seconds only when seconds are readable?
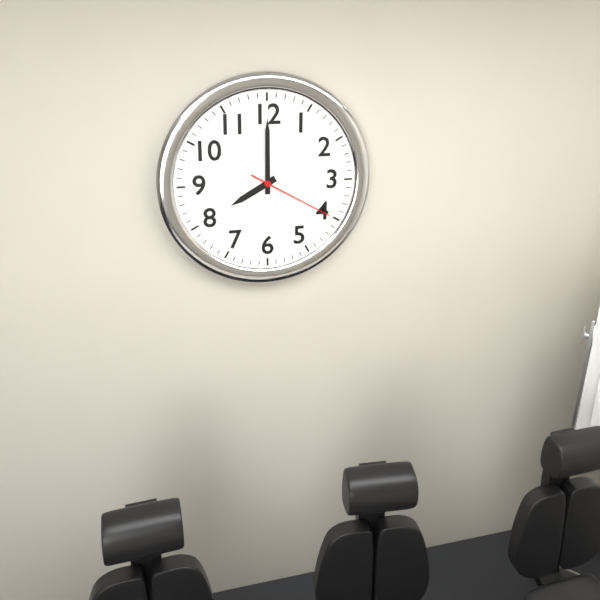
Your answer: 8.00.20
